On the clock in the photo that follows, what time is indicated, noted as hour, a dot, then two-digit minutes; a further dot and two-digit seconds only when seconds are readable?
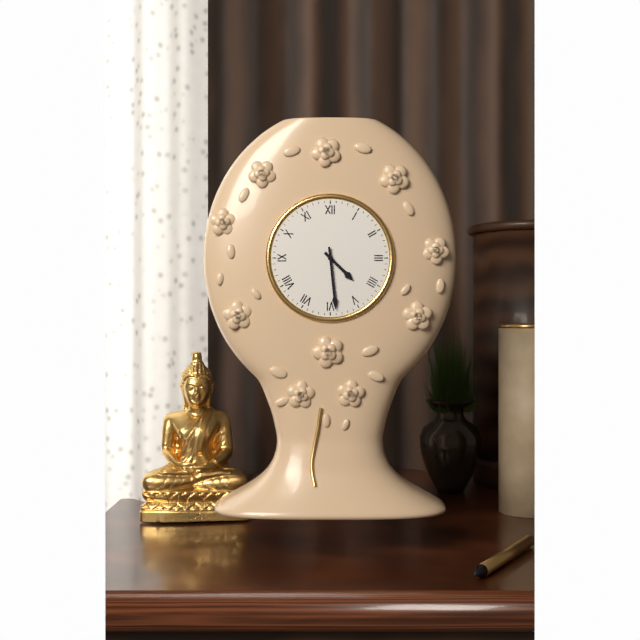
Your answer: 4.29
